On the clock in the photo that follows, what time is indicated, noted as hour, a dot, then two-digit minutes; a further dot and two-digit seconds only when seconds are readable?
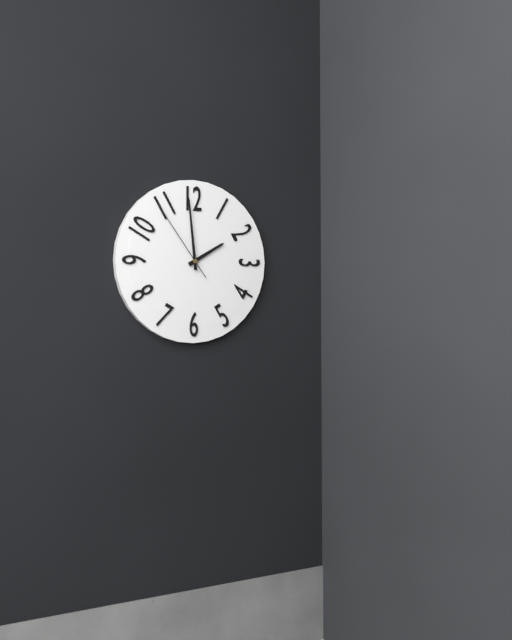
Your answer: 1.59.54
